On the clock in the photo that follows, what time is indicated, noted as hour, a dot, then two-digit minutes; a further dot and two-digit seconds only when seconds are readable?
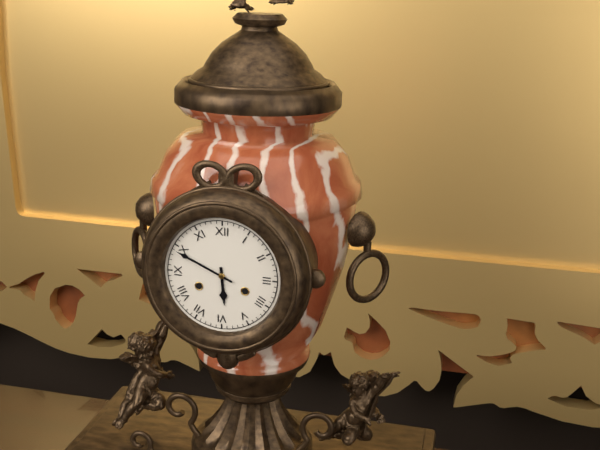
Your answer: 5.49
